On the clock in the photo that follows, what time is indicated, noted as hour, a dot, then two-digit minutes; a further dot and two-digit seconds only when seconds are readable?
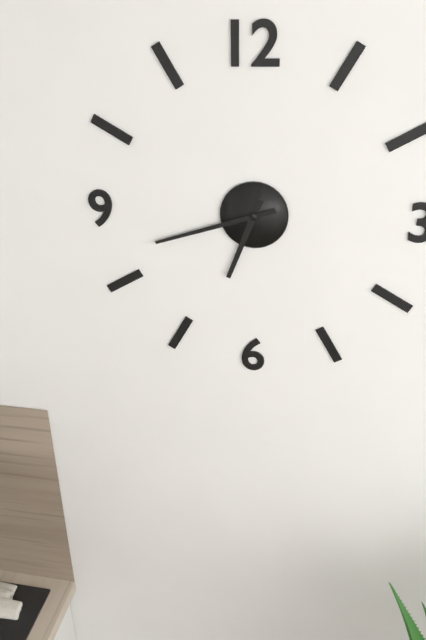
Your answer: 6.42
